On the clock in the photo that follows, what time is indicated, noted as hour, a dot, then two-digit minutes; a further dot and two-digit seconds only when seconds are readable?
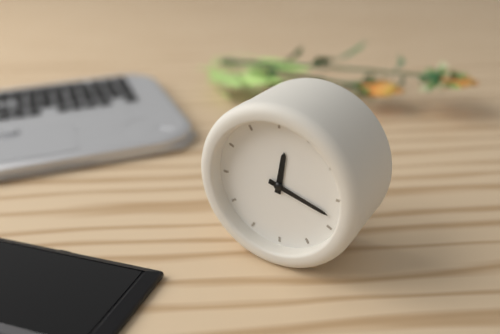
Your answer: 12.18
